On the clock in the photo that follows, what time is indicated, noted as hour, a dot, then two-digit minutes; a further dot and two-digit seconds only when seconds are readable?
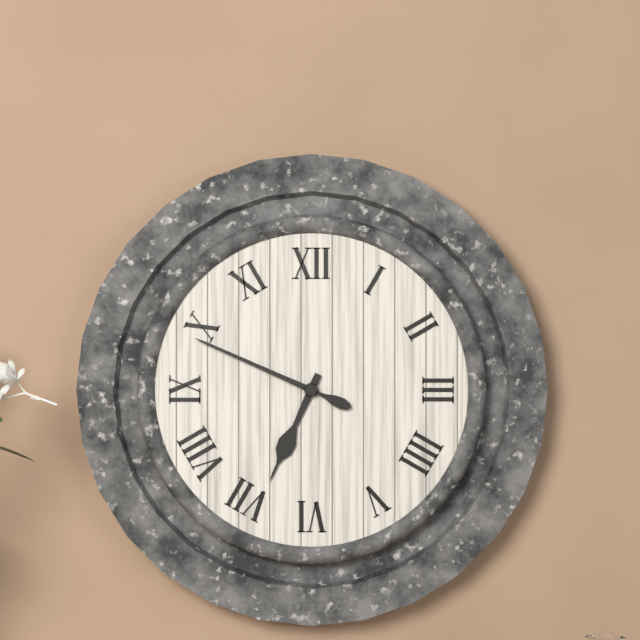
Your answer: 6.49
